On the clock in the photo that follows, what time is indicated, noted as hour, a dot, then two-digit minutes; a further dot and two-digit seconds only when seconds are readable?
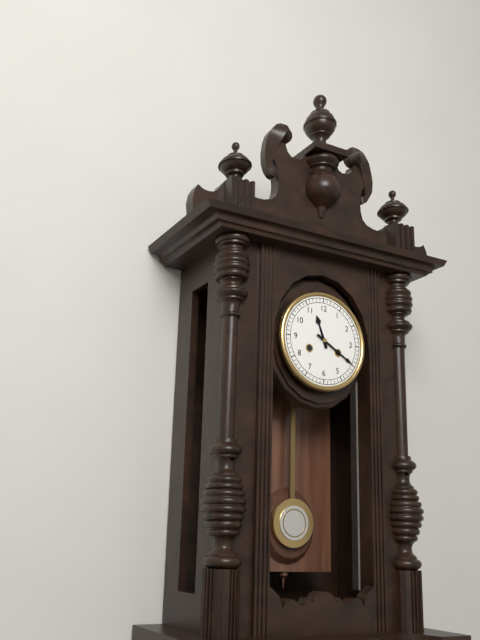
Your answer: 11.20
